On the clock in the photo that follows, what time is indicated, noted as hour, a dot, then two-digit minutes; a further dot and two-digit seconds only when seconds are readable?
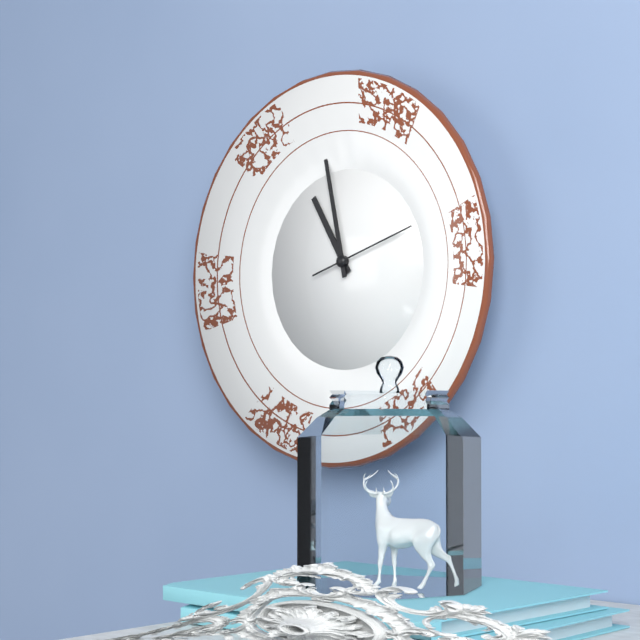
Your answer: 10.58.12
